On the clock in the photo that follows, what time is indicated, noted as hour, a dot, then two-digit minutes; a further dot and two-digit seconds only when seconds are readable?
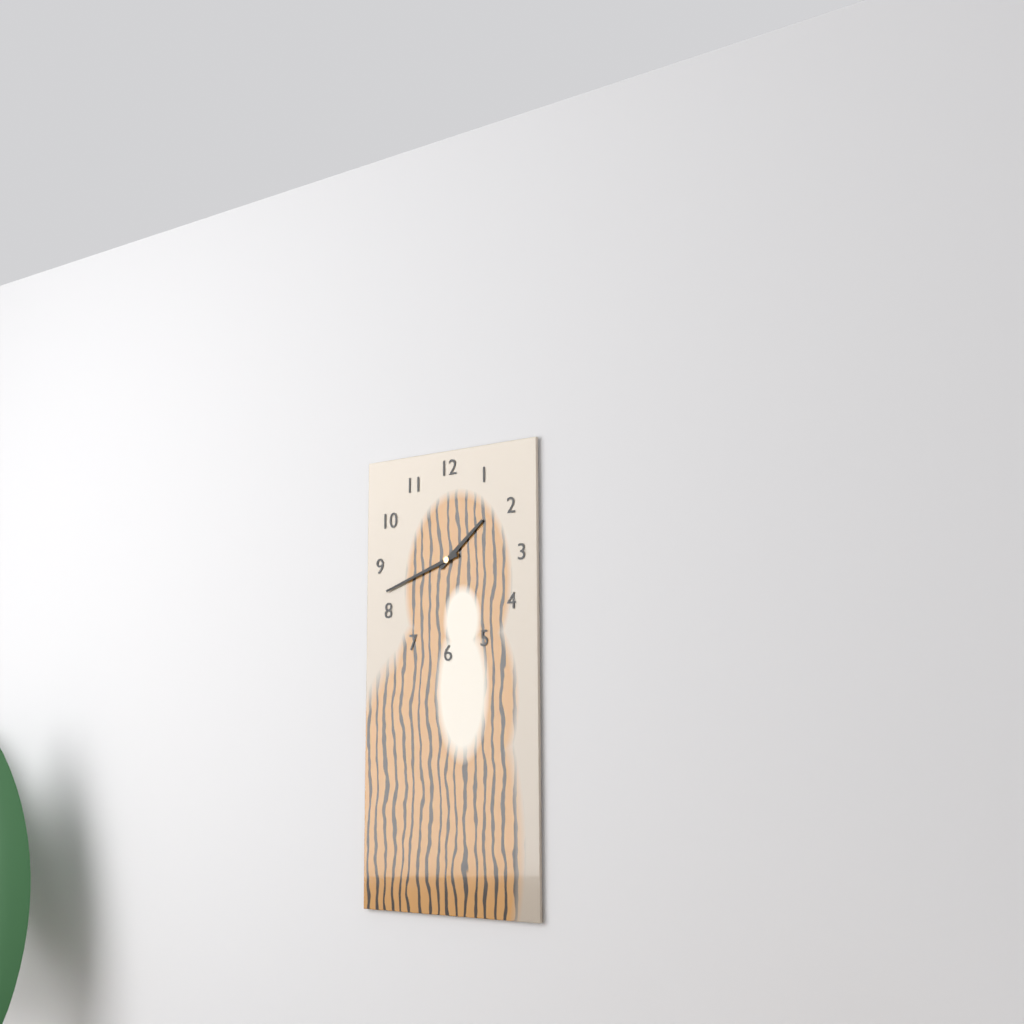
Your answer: 1.42
